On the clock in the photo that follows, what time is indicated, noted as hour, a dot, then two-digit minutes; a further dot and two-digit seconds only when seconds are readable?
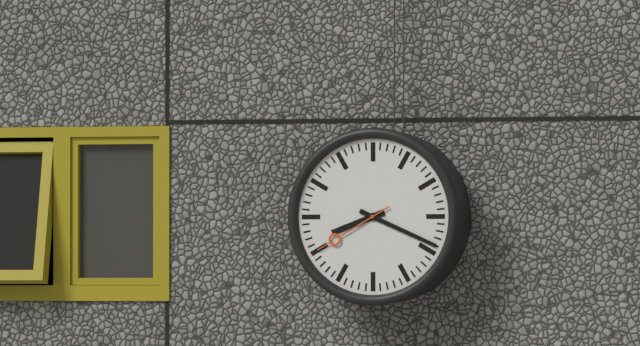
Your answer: 8.19.40
